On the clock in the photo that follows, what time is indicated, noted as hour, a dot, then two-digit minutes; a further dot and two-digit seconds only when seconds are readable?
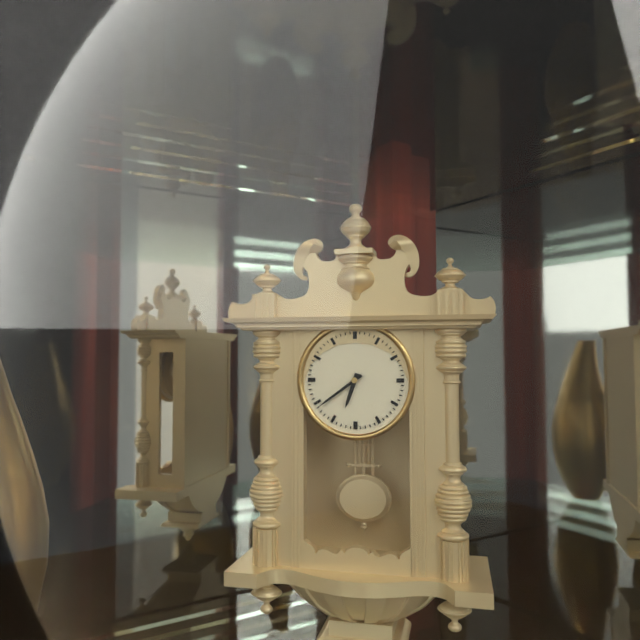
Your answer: 6.39
